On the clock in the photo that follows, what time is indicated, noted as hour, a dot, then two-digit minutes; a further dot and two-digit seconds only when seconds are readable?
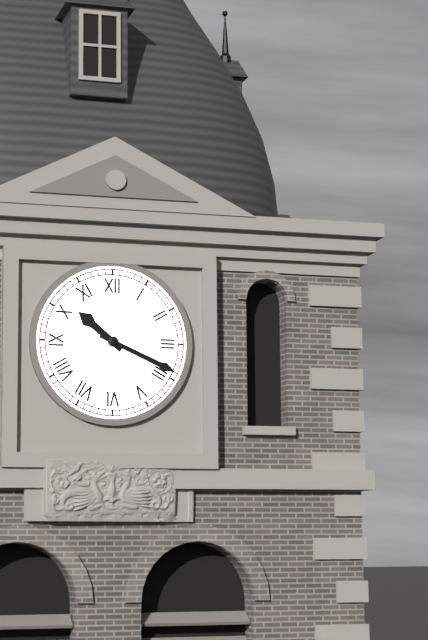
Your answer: 10.19
